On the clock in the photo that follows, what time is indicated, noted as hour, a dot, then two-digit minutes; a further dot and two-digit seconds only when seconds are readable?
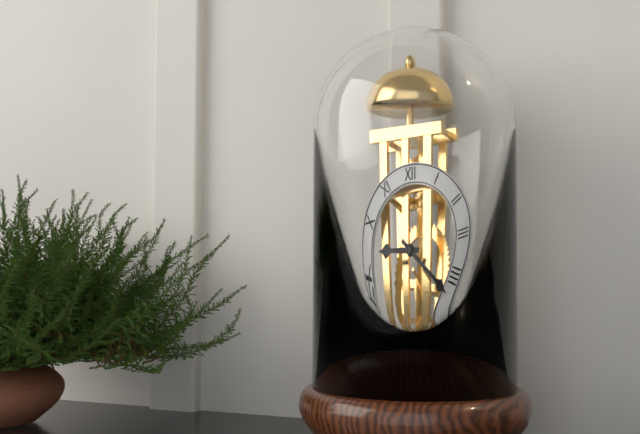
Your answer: 9.22
